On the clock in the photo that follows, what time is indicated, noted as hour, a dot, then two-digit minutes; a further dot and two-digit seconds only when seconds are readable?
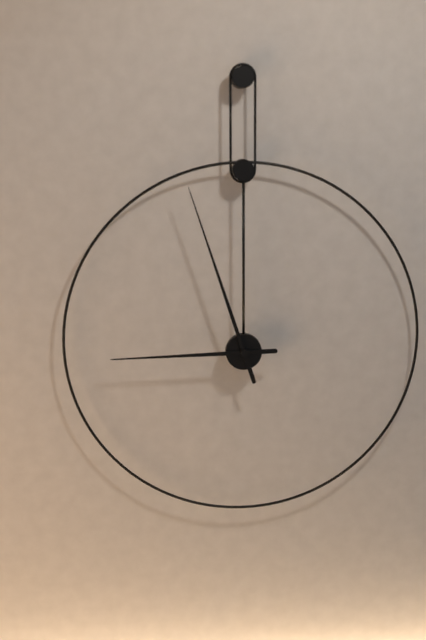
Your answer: 8.57
